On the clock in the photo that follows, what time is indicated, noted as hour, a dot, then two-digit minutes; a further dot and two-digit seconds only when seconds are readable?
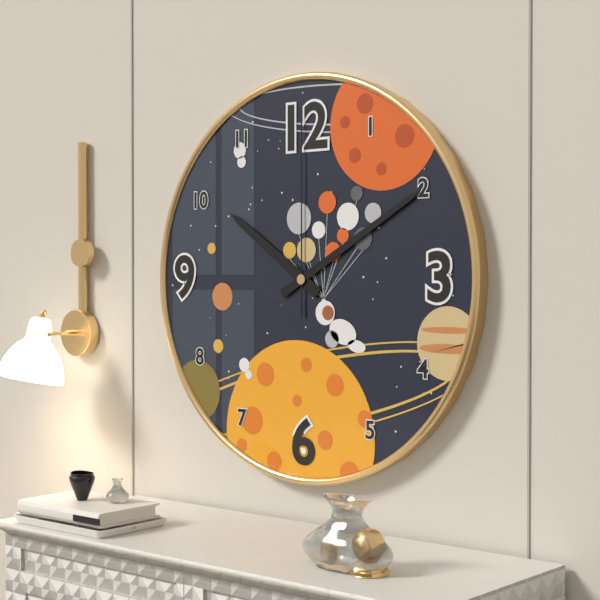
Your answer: 10.10.00
